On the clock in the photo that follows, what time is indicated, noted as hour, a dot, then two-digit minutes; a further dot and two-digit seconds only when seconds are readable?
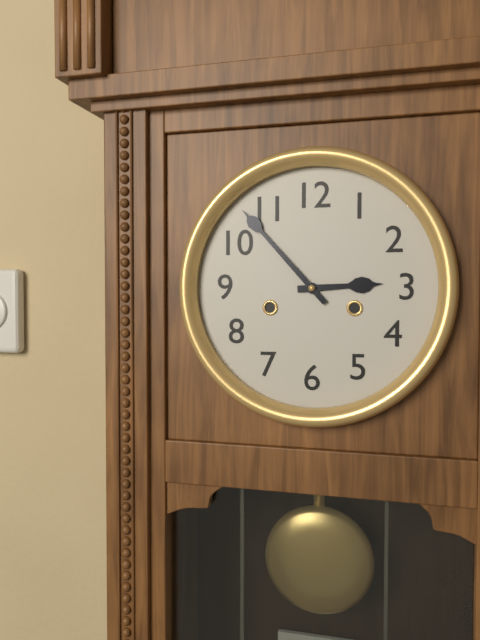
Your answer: 2.53
